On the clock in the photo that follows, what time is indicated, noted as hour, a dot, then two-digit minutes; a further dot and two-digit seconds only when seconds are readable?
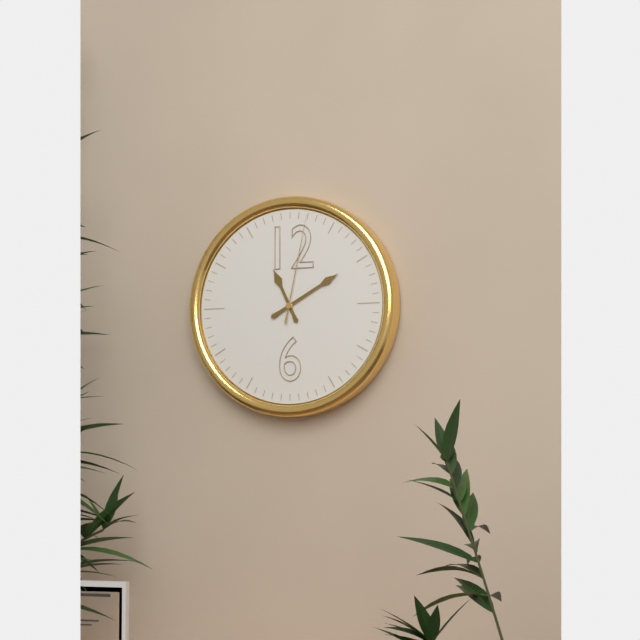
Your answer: 11.10.02
